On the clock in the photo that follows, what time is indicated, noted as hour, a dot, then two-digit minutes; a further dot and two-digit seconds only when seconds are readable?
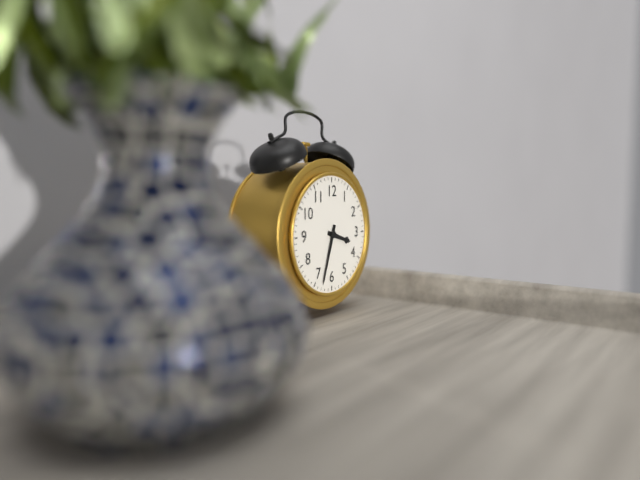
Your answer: 3.33
